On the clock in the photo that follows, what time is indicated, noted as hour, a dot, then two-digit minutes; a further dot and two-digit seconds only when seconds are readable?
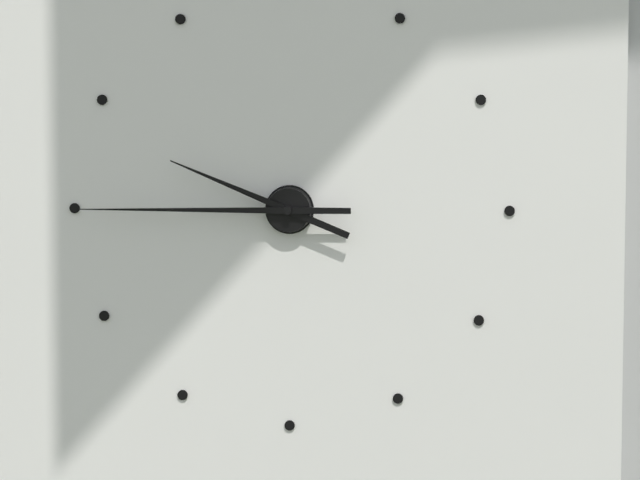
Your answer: 9.45
